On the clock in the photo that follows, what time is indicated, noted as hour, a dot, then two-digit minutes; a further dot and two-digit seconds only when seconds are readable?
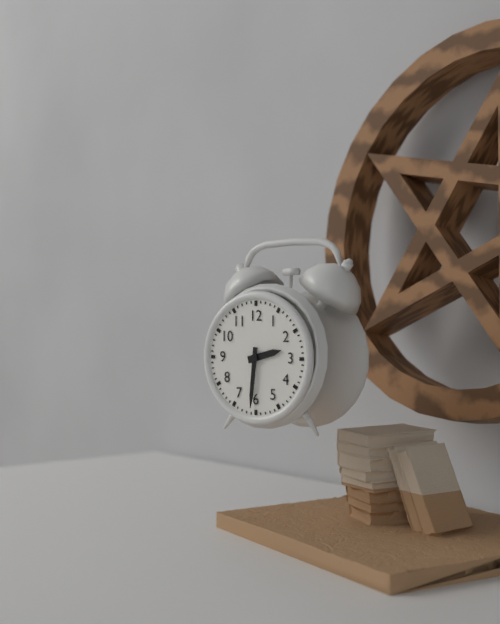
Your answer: 2.31
